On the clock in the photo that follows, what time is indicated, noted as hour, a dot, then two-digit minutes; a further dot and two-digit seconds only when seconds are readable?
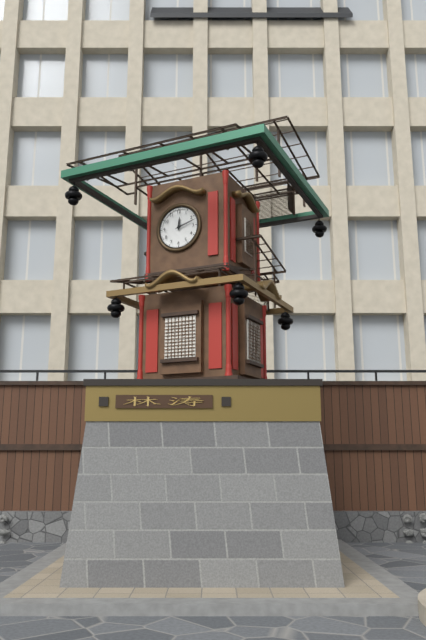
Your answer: 12.12
